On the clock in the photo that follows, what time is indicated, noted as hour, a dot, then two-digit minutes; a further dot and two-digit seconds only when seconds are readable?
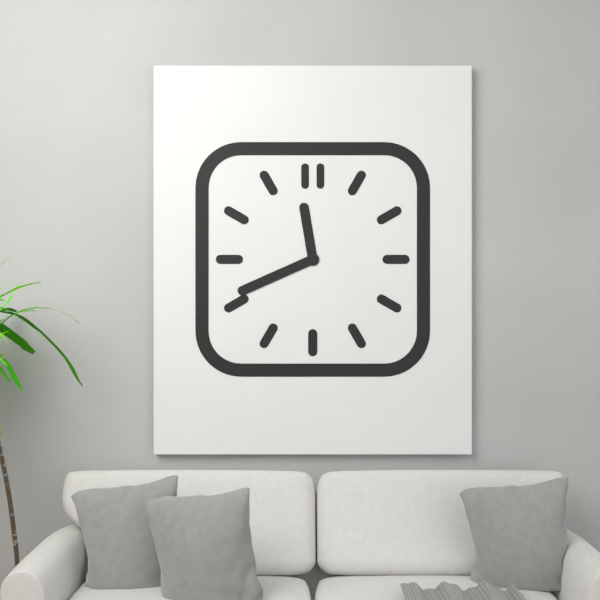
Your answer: 11.41
